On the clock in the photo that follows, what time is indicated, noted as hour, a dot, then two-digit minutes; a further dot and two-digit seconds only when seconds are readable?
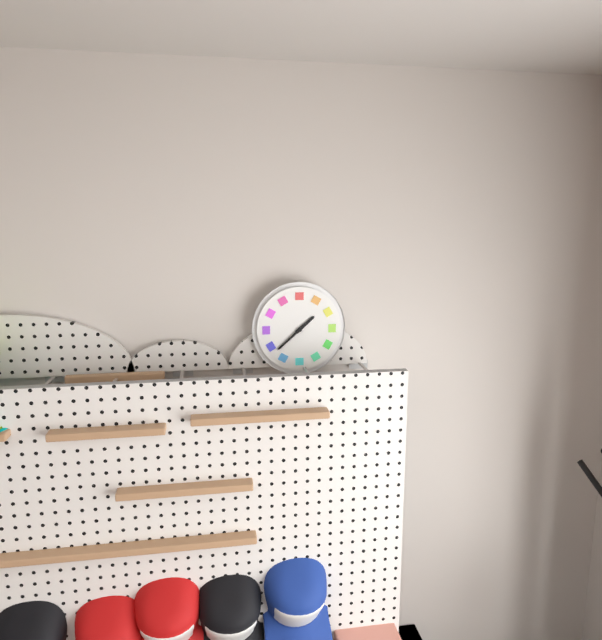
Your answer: 1.38
